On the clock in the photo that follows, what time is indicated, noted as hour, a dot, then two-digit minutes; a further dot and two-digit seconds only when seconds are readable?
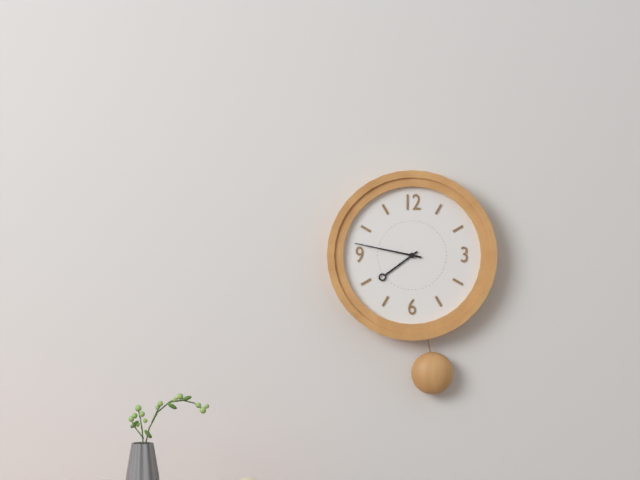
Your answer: 7.47
